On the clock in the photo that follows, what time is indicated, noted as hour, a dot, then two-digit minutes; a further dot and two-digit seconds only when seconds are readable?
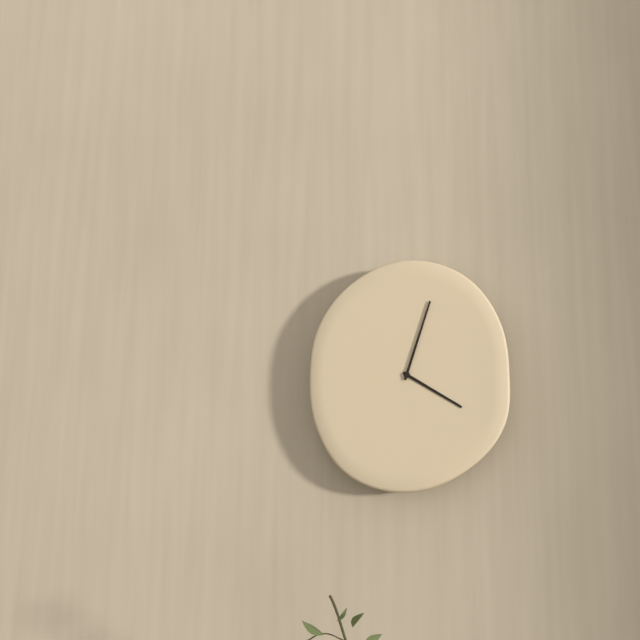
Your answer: 4.03
